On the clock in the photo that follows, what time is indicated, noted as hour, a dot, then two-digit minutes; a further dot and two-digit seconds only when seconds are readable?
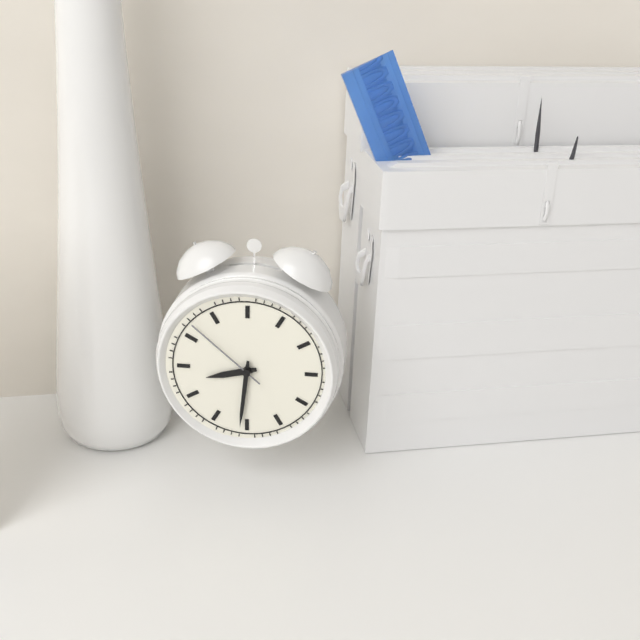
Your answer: 8.31.52
